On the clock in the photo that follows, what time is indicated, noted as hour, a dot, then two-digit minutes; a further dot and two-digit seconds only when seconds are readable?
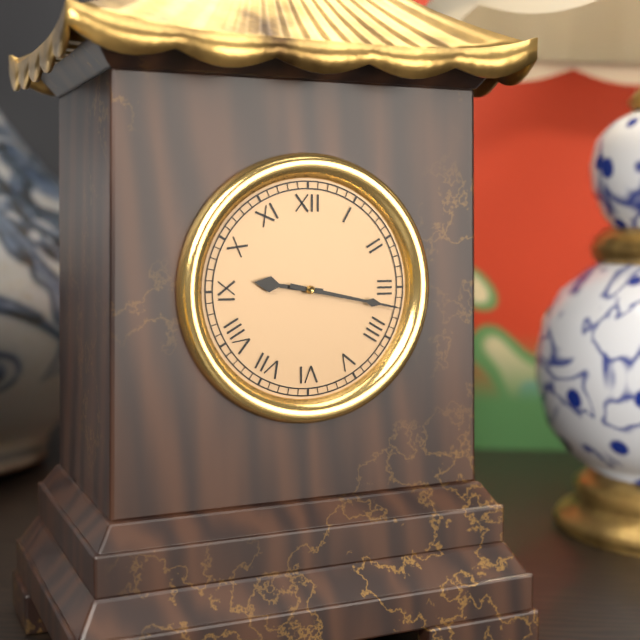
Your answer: 9.17
